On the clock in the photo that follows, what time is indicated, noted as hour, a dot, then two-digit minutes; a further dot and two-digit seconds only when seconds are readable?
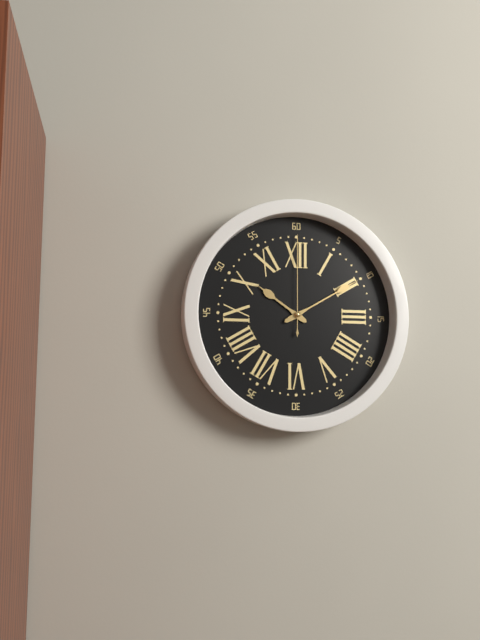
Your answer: 10.10.00
